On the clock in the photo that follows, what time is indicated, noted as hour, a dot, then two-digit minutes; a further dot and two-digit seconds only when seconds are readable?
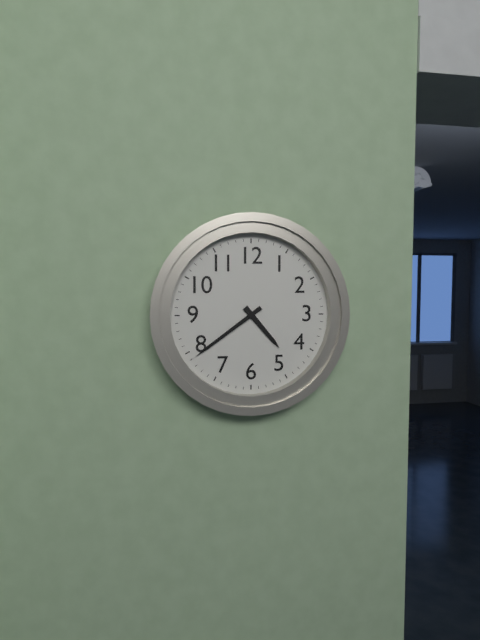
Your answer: 4.39
